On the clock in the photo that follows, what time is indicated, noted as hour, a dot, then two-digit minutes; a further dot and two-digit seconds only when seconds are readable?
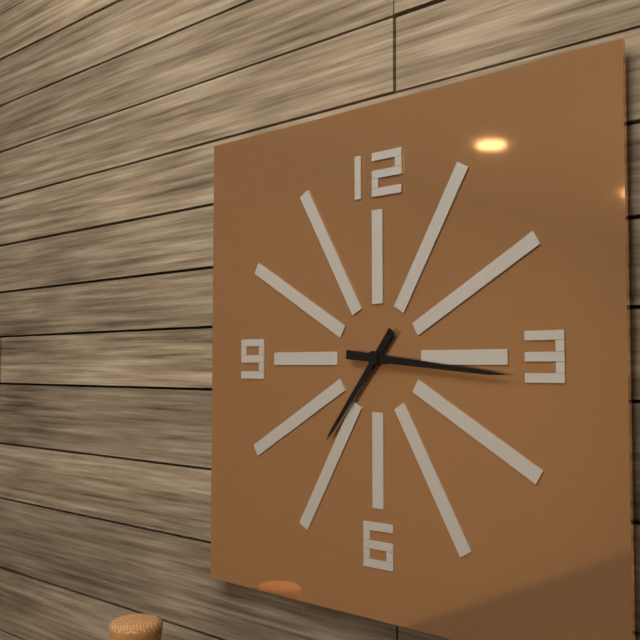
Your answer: 7.16
